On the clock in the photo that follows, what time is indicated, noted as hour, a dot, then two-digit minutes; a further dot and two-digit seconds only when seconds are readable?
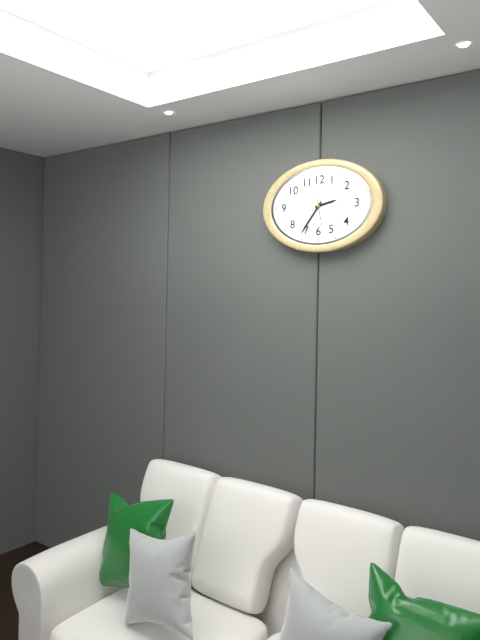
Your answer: 2.36
